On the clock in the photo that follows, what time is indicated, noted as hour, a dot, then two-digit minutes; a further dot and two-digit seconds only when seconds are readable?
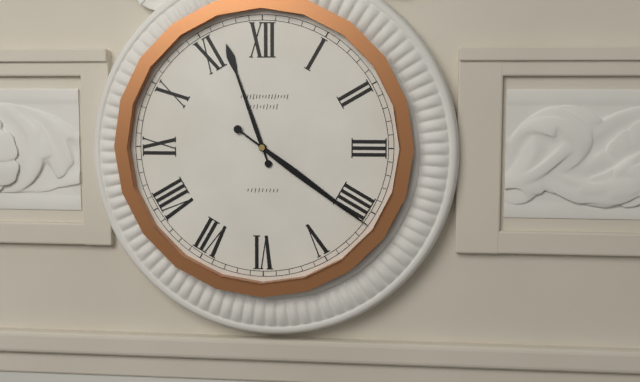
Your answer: 11.21
